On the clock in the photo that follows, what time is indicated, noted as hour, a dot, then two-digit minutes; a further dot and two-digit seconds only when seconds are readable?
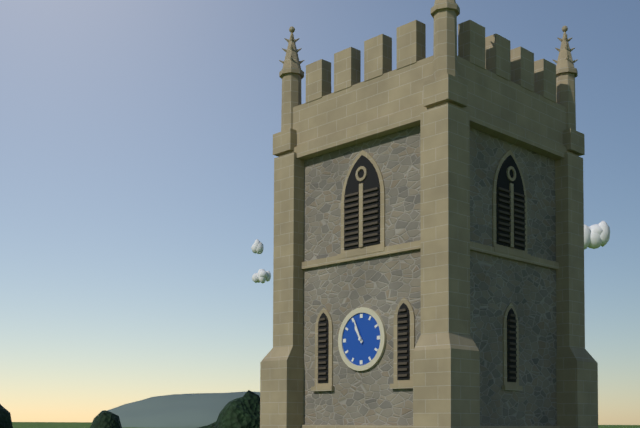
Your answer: 10.56
